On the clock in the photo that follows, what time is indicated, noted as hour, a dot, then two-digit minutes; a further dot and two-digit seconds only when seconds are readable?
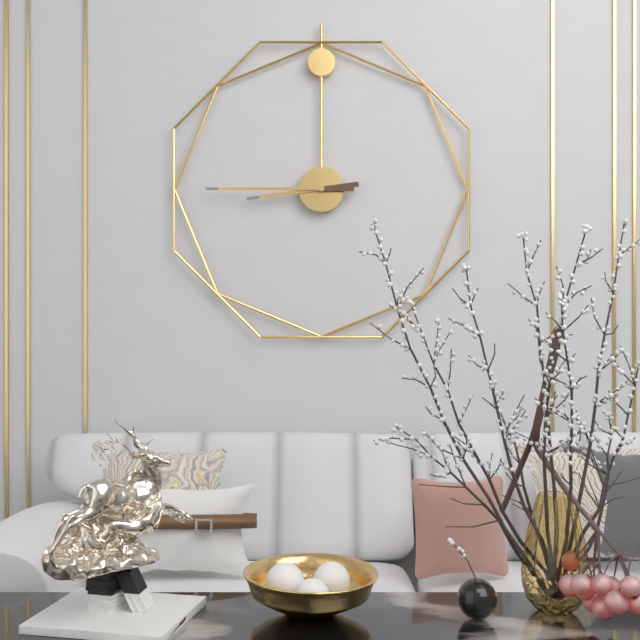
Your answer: 8.45
